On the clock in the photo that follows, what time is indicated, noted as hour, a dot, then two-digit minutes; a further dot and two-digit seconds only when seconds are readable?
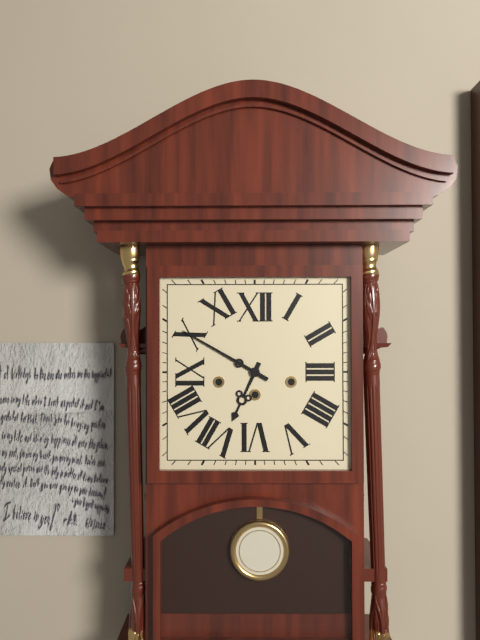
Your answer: 6.50
